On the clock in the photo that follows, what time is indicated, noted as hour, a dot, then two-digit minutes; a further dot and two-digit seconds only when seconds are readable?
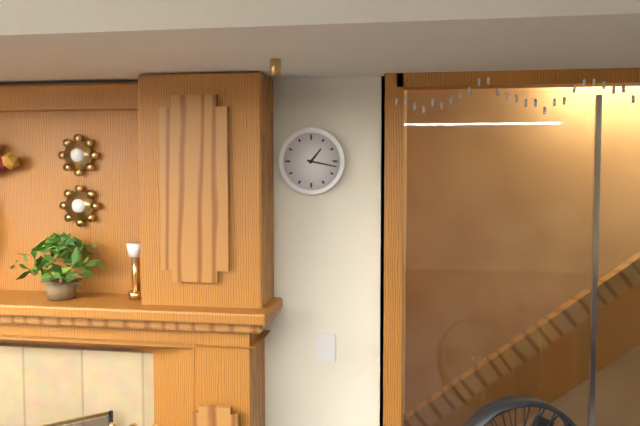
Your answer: 1.17
